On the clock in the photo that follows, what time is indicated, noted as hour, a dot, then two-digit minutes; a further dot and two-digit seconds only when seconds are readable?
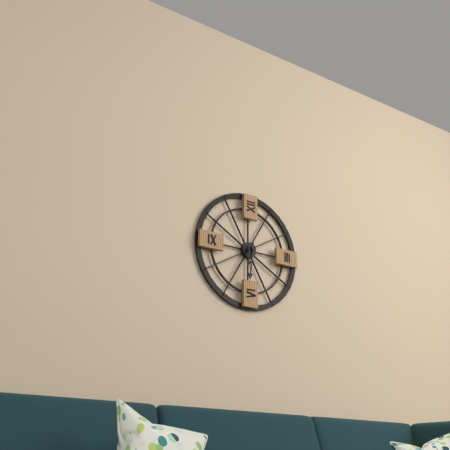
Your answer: 6.31
